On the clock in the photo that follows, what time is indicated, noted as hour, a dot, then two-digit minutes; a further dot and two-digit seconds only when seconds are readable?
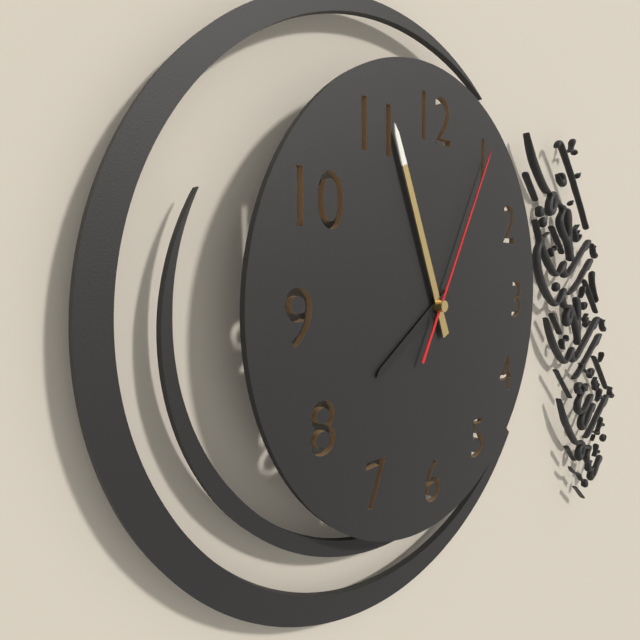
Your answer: 7.56.05
